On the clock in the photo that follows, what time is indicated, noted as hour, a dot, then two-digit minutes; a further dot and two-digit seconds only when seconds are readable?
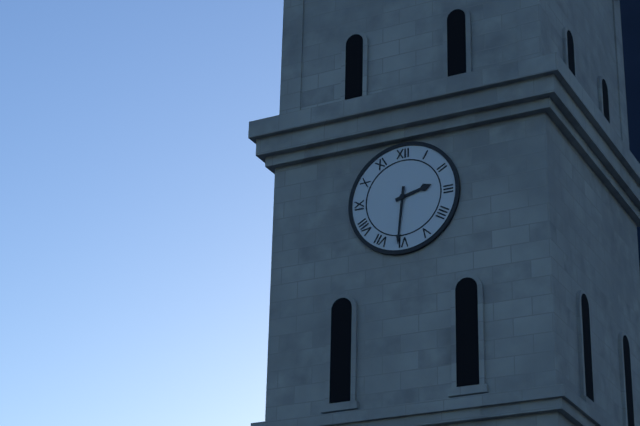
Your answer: 2.31
